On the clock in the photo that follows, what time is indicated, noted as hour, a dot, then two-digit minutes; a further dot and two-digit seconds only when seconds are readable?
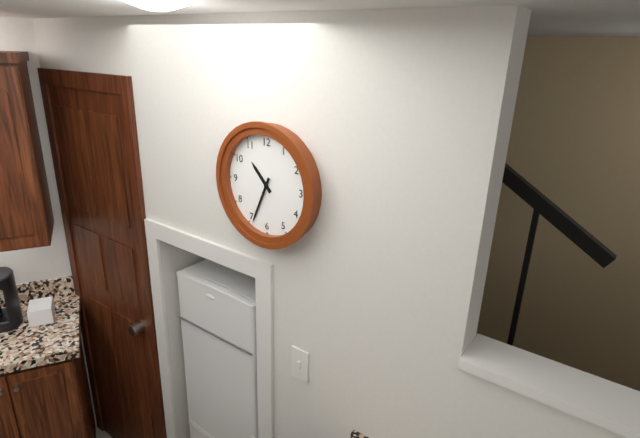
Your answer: 10.34
